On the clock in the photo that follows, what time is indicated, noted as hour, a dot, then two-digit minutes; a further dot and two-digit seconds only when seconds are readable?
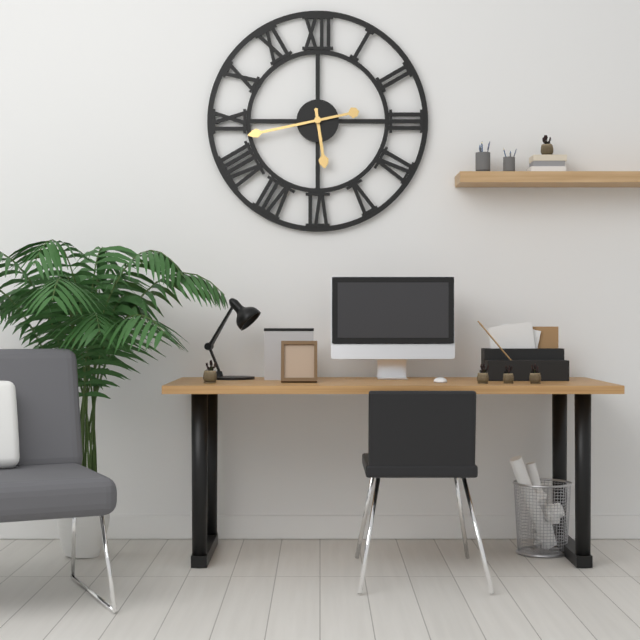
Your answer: 5.43
